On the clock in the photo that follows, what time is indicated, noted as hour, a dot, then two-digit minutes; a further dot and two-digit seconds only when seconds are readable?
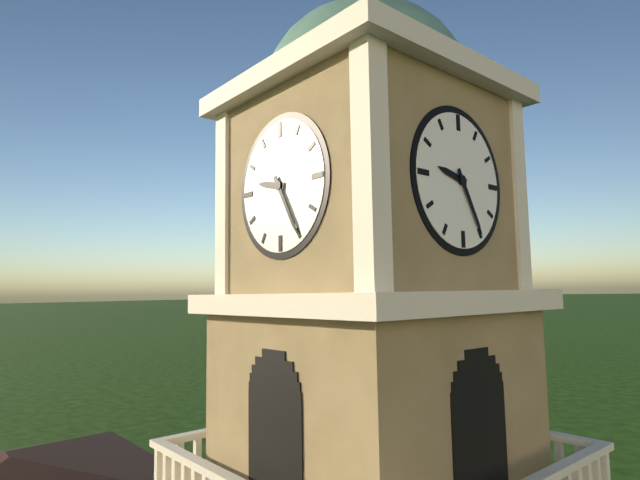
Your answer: 9.25
